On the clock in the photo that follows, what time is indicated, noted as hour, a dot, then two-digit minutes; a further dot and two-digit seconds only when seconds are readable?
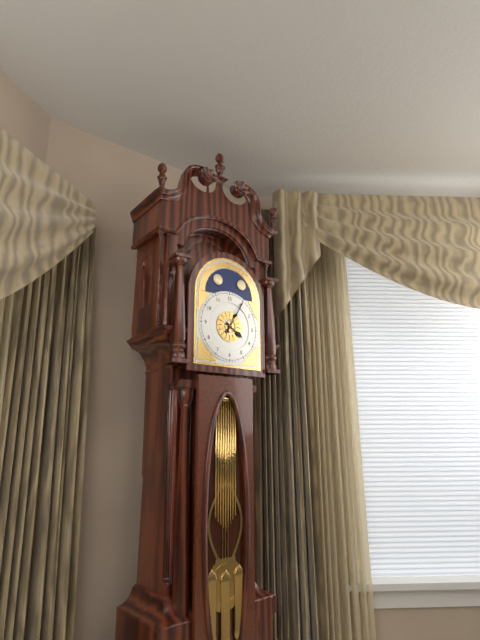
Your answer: 4.05
